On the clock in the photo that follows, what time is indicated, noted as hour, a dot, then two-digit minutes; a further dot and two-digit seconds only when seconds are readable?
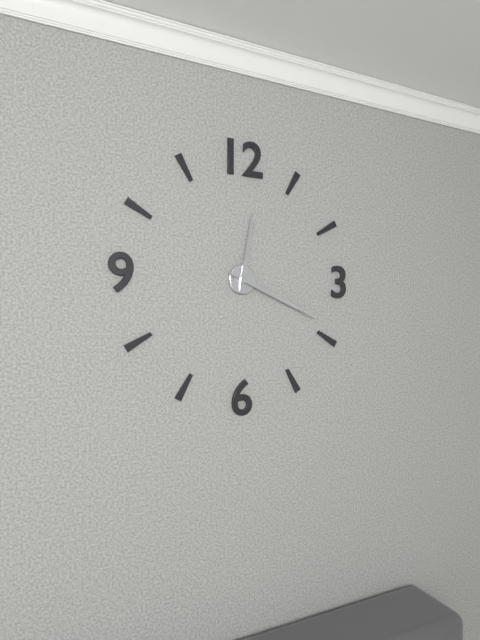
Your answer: 12.19
